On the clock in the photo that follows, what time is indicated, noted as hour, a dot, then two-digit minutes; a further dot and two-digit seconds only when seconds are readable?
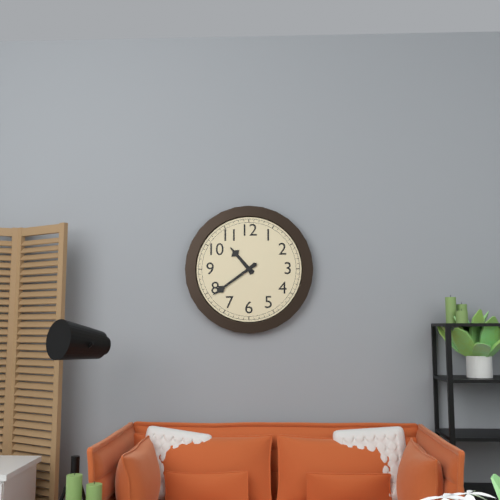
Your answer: 10.39
